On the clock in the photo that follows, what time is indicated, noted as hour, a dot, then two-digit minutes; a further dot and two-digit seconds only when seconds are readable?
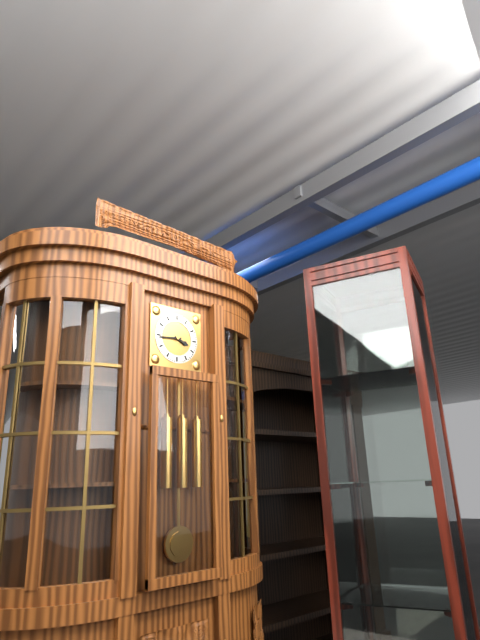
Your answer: 3.44
